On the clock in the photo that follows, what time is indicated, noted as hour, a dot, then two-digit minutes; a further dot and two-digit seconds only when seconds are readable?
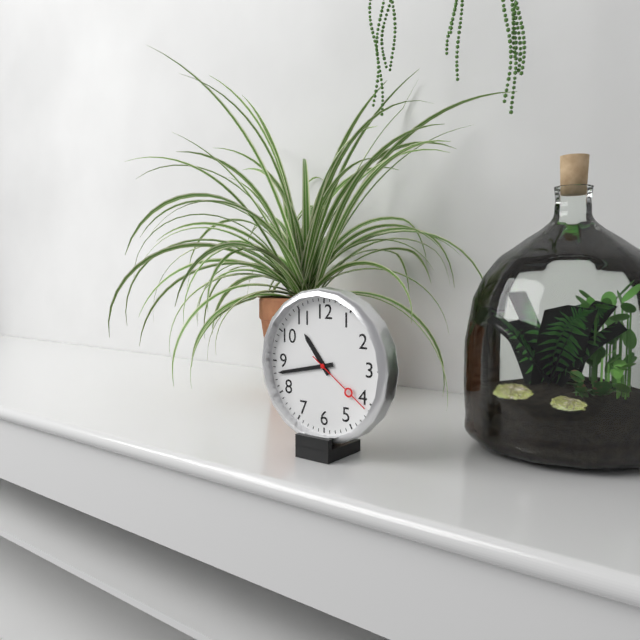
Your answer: 10.43.21
